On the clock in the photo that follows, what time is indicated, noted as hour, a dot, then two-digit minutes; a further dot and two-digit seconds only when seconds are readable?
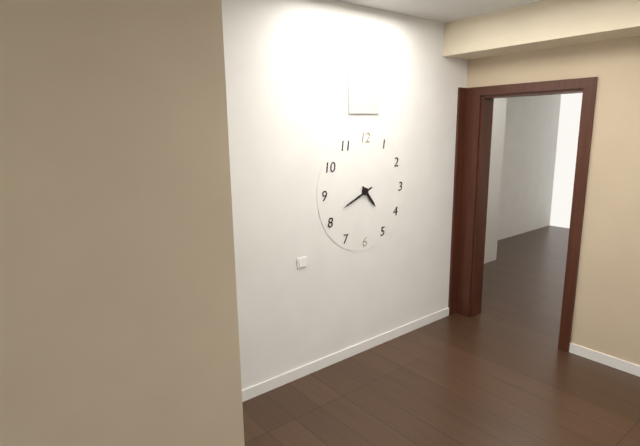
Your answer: 4.41
